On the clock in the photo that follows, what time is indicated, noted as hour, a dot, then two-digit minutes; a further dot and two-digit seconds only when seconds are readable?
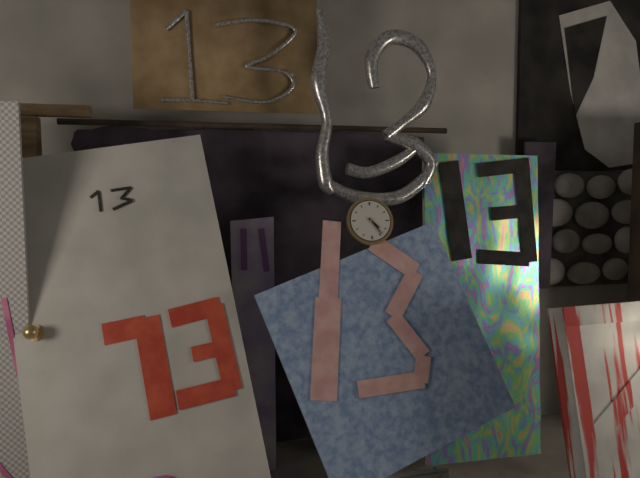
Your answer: 4.24
